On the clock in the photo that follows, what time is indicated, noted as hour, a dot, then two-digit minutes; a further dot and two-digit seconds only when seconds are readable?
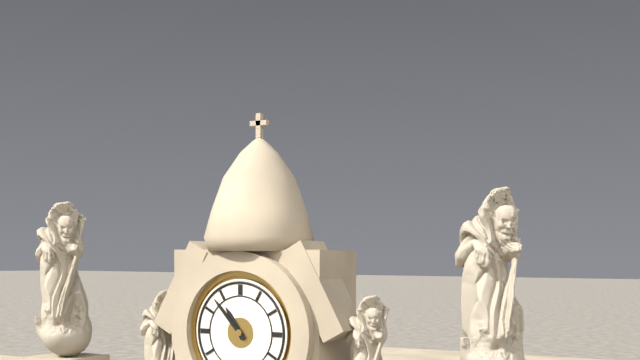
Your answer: 10.53
